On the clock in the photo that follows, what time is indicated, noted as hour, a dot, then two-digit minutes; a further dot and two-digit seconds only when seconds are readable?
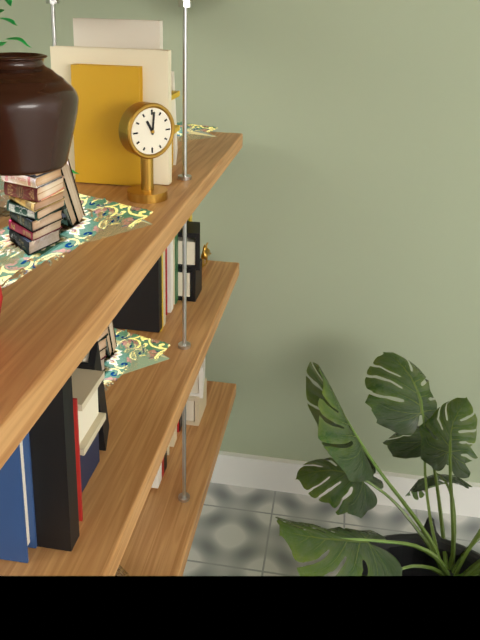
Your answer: 11.01
